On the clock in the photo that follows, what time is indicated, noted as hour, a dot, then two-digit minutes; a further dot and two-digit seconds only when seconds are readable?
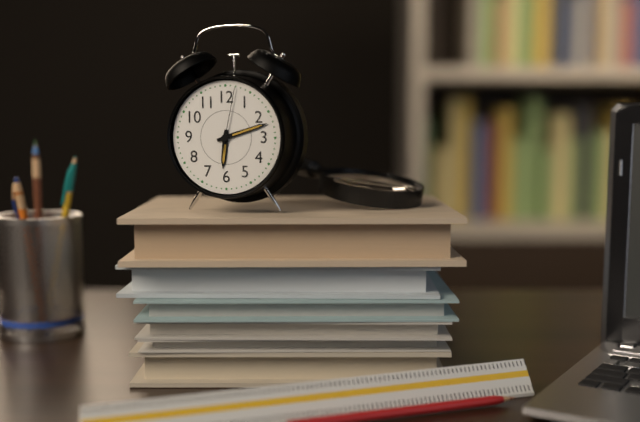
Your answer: 6.12.02
